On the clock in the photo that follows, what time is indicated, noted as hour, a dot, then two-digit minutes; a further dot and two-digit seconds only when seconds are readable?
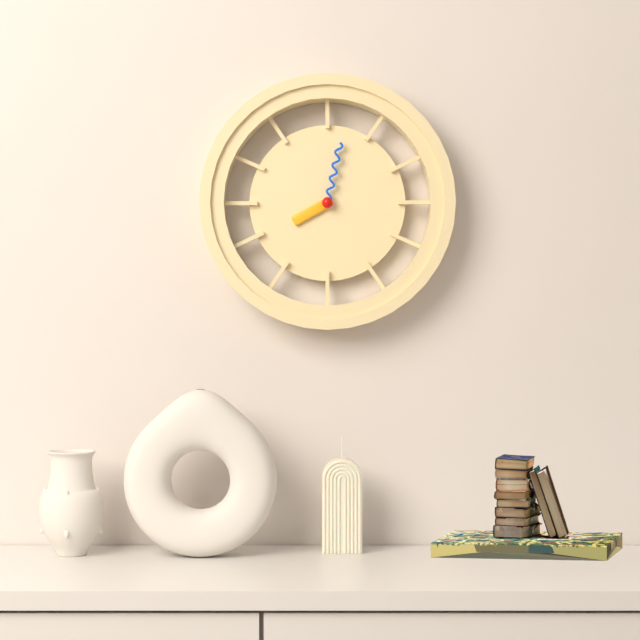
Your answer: 8.02
